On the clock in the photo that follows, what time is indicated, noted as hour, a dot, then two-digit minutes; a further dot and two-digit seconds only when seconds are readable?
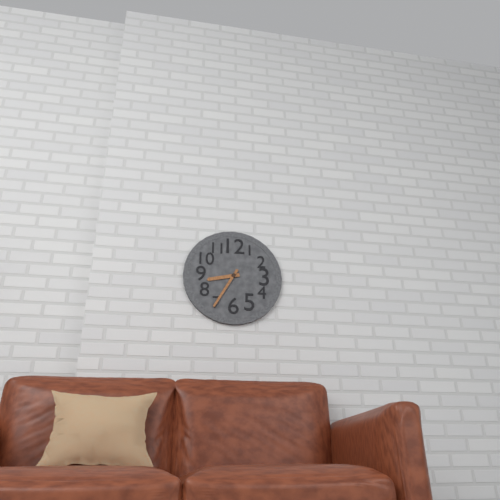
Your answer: 8.35
